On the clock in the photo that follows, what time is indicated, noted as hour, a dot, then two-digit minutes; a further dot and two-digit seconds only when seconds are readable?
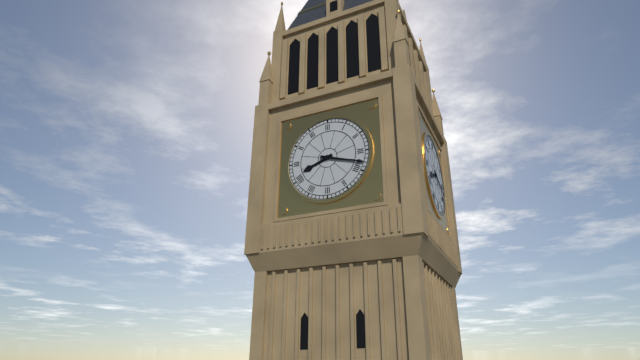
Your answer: 8.18
